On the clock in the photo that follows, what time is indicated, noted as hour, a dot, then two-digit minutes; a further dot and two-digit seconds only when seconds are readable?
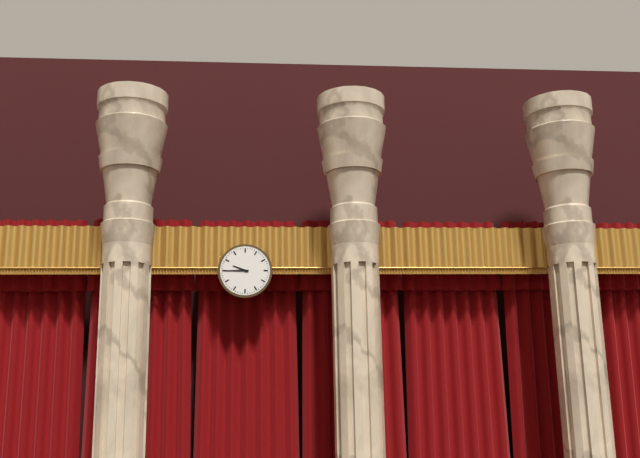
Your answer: 9.45
